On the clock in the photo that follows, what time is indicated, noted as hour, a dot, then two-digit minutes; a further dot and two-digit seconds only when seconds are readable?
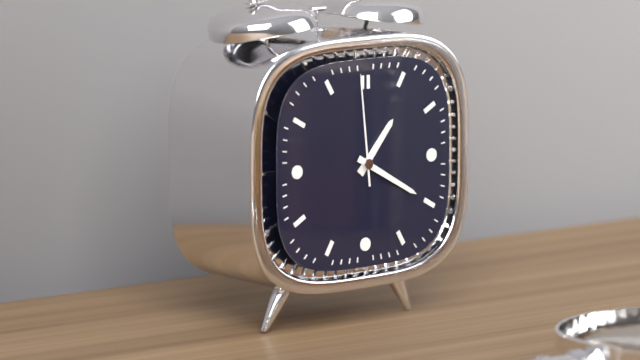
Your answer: 1.20.59
